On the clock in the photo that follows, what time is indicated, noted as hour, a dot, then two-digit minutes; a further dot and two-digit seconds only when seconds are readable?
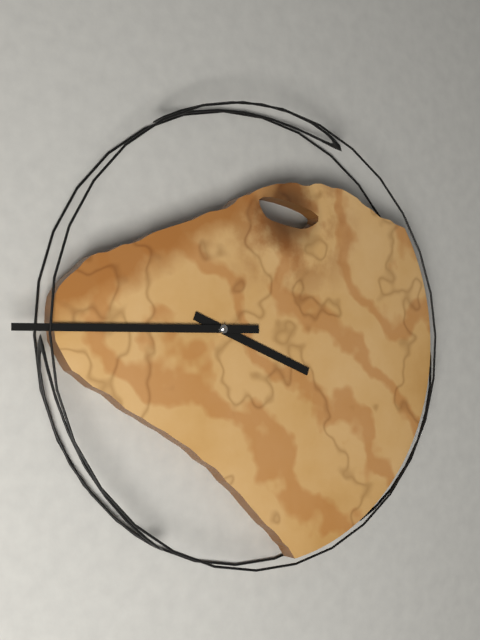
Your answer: 3.45
